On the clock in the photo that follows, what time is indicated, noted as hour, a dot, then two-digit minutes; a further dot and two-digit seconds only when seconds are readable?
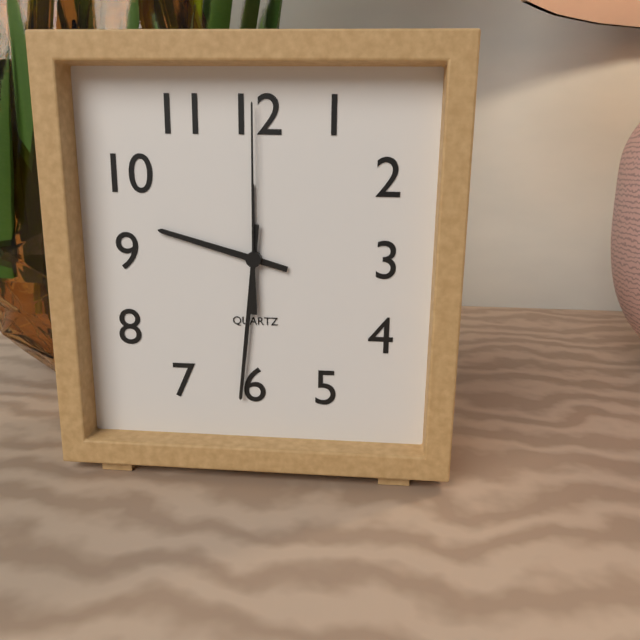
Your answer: 9.31.00
